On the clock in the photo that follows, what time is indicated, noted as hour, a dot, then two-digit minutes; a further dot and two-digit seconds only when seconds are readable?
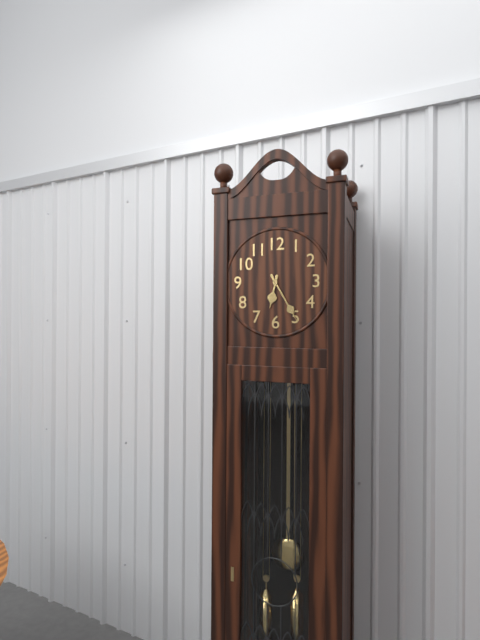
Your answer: 6.25
